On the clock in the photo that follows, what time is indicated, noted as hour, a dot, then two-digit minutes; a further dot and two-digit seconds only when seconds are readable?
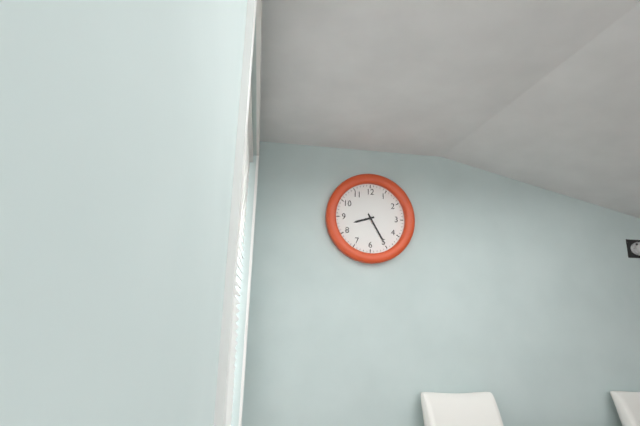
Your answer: 8.25
